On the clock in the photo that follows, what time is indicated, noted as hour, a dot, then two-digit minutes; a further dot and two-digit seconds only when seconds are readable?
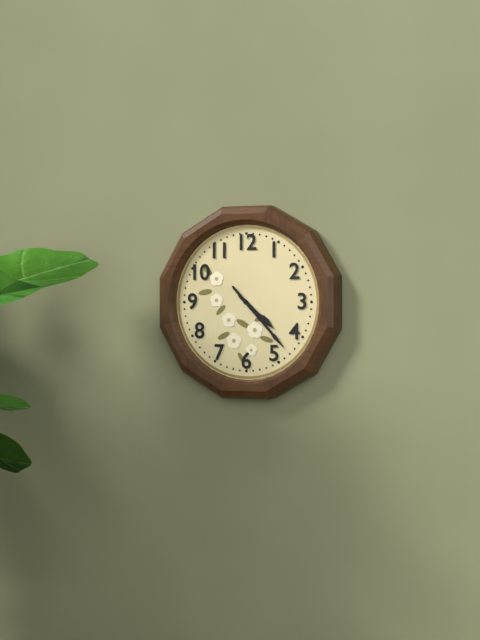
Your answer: 4.23
